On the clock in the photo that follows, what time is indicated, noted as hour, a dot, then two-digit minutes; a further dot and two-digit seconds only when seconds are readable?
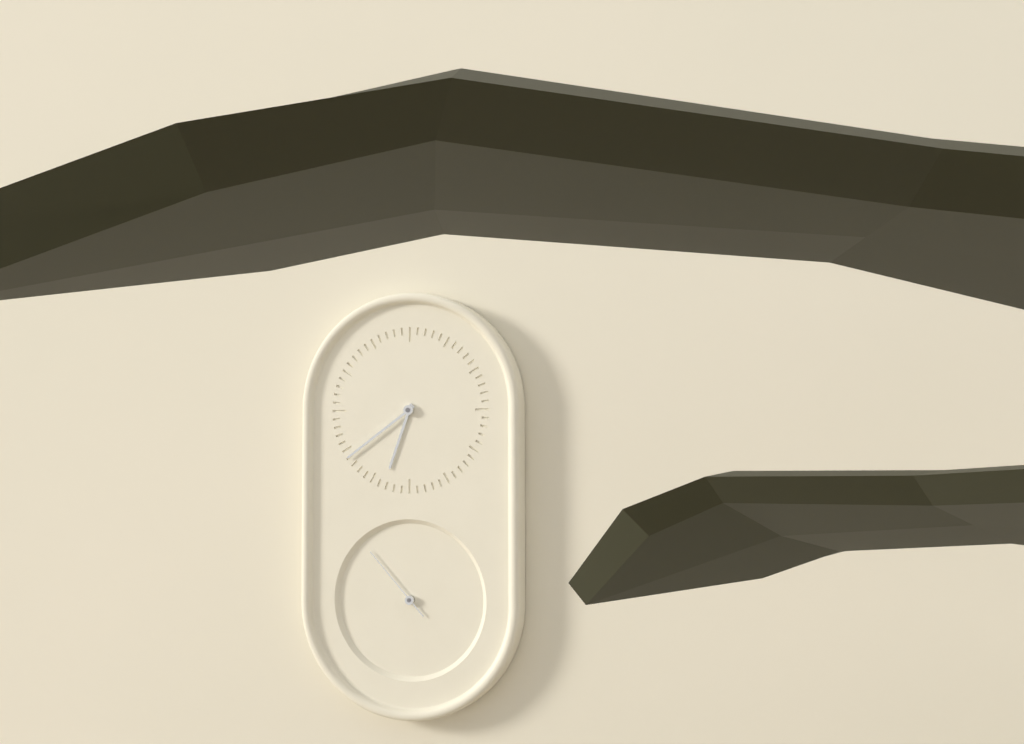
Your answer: 6.39.53
